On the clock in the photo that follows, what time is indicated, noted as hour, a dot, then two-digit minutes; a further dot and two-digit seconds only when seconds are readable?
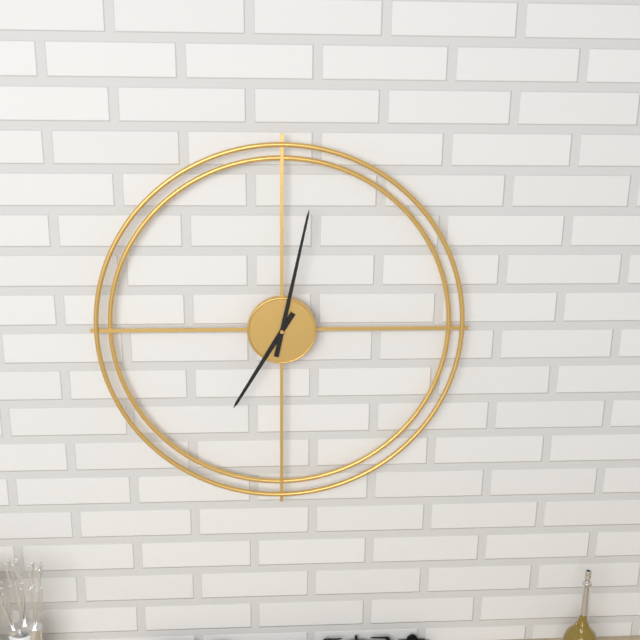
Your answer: 7.02
